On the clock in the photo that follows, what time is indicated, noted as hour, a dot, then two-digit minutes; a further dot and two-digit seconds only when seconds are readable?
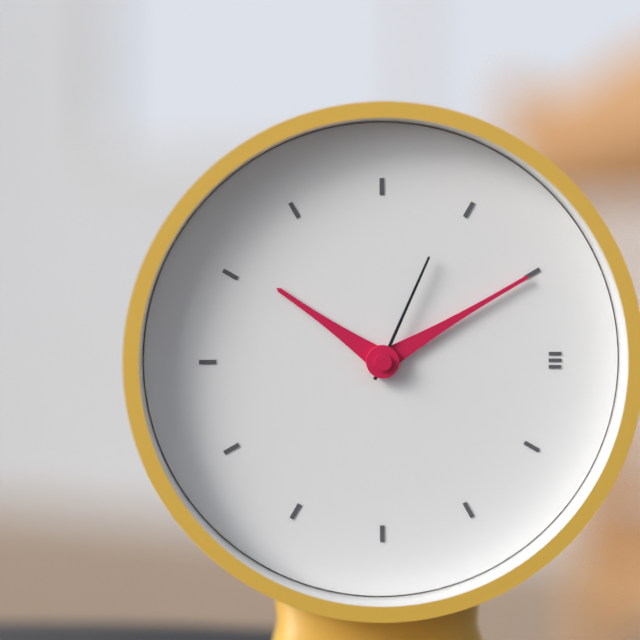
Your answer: 10.10.04
